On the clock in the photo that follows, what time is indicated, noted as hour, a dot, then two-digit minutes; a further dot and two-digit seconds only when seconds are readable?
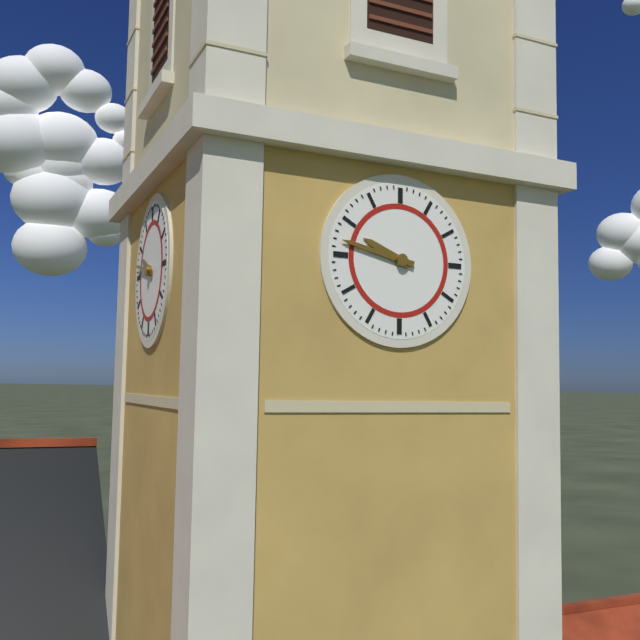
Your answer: 9.47
